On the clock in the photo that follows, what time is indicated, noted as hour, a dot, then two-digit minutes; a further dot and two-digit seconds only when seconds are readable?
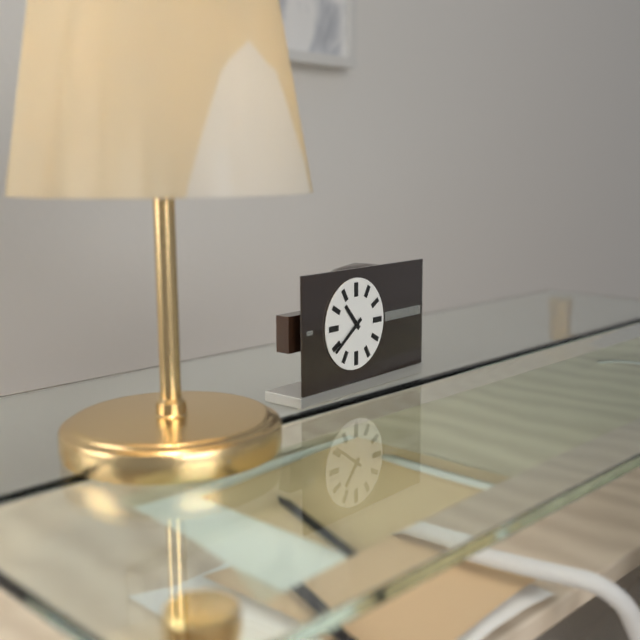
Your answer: 10.39
